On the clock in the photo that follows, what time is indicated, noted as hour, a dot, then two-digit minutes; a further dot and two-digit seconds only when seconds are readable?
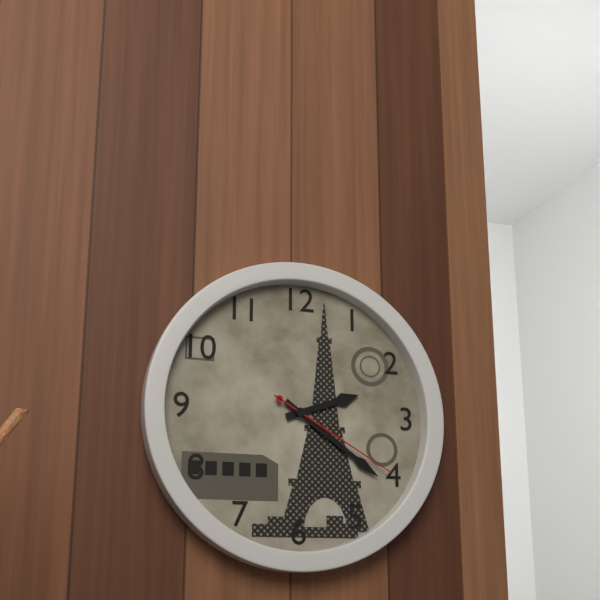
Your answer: 2.21.20
